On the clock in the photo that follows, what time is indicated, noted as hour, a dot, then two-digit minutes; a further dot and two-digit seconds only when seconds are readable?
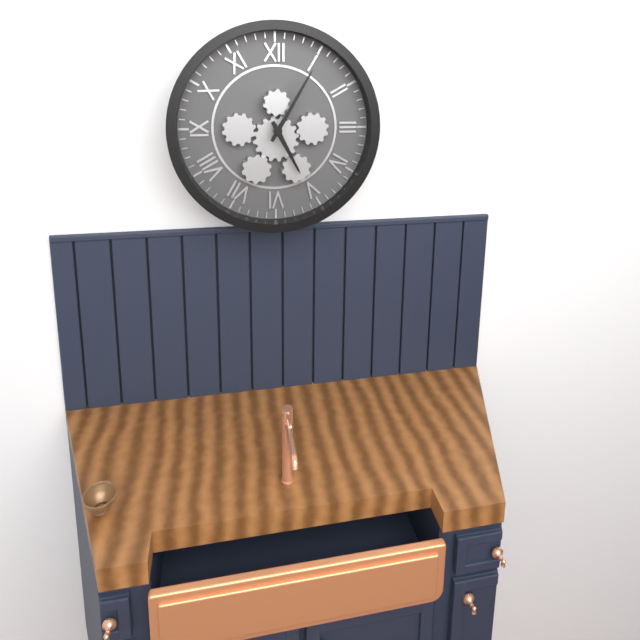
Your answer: 5.05
